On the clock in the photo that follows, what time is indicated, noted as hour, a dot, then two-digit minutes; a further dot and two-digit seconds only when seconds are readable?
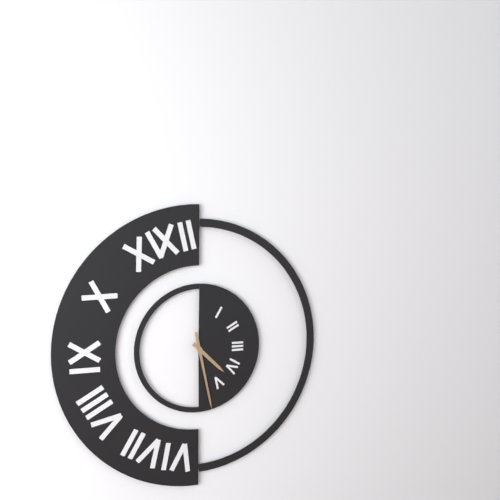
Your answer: 4.28
